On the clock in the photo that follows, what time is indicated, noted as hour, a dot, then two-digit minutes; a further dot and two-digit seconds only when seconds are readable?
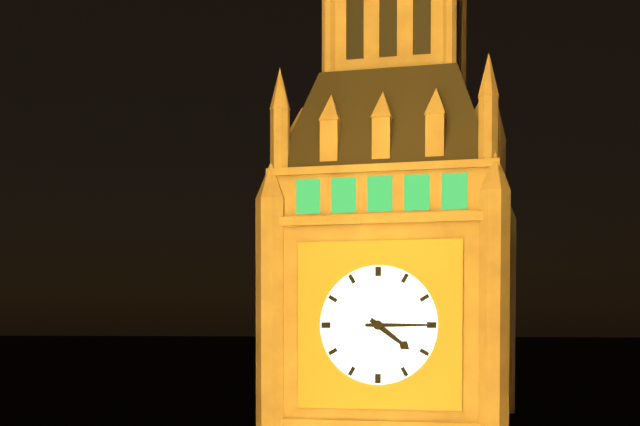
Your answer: 4.15
